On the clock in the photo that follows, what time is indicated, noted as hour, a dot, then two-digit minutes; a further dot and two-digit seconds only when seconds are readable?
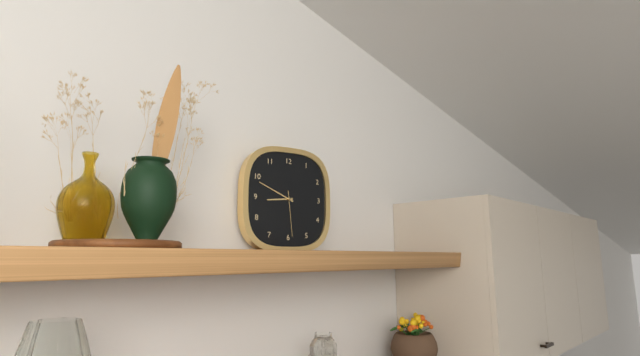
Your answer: 8.49
